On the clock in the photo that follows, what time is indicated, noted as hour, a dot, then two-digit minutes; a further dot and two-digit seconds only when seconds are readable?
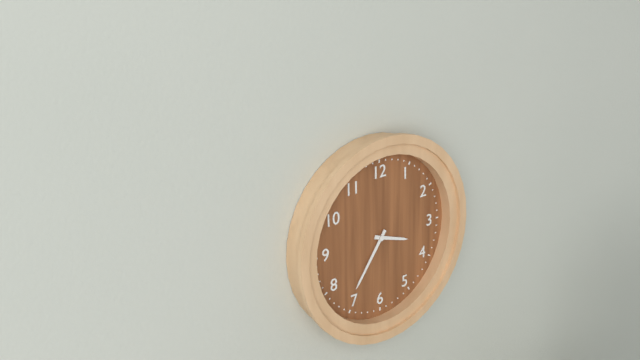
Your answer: 3.36
